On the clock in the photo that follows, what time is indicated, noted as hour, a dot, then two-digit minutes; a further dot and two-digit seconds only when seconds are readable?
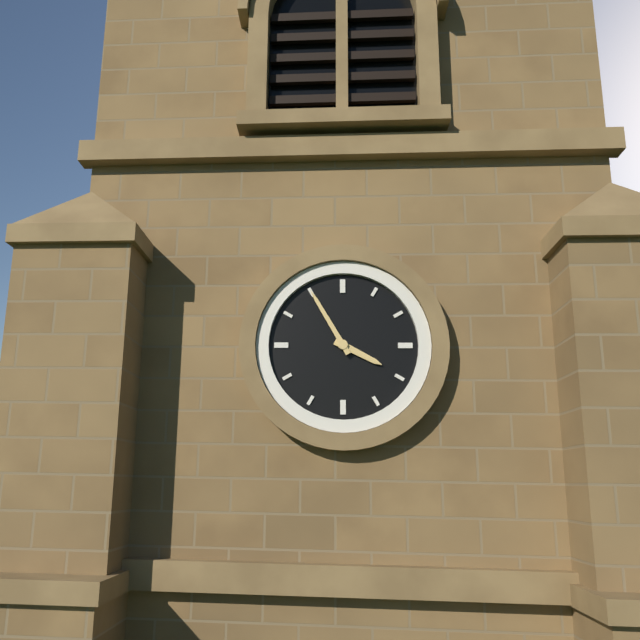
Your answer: 3.55
